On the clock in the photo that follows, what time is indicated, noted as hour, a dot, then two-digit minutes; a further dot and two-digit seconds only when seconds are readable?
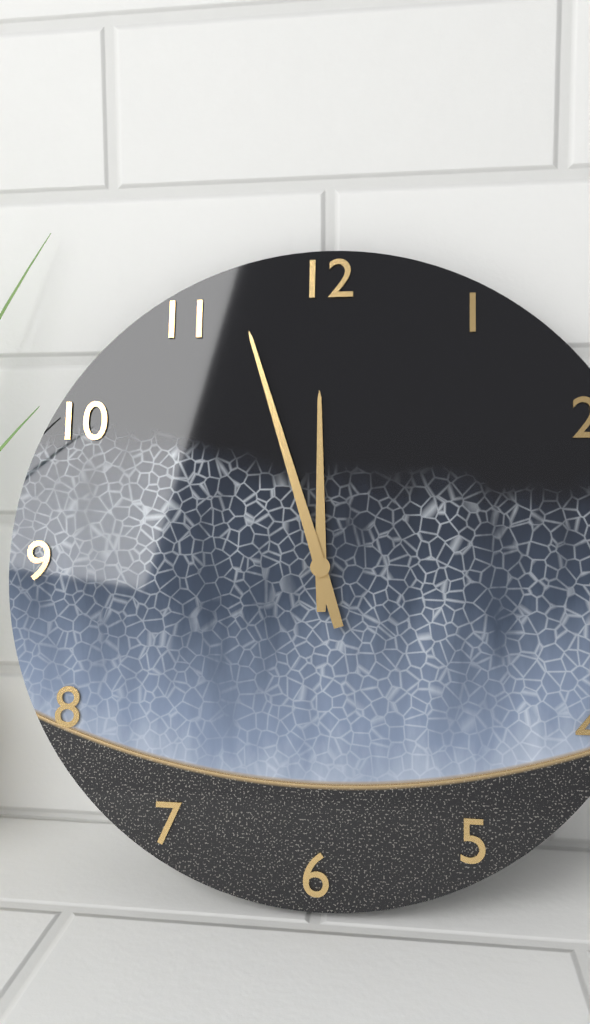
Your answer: 11.57
